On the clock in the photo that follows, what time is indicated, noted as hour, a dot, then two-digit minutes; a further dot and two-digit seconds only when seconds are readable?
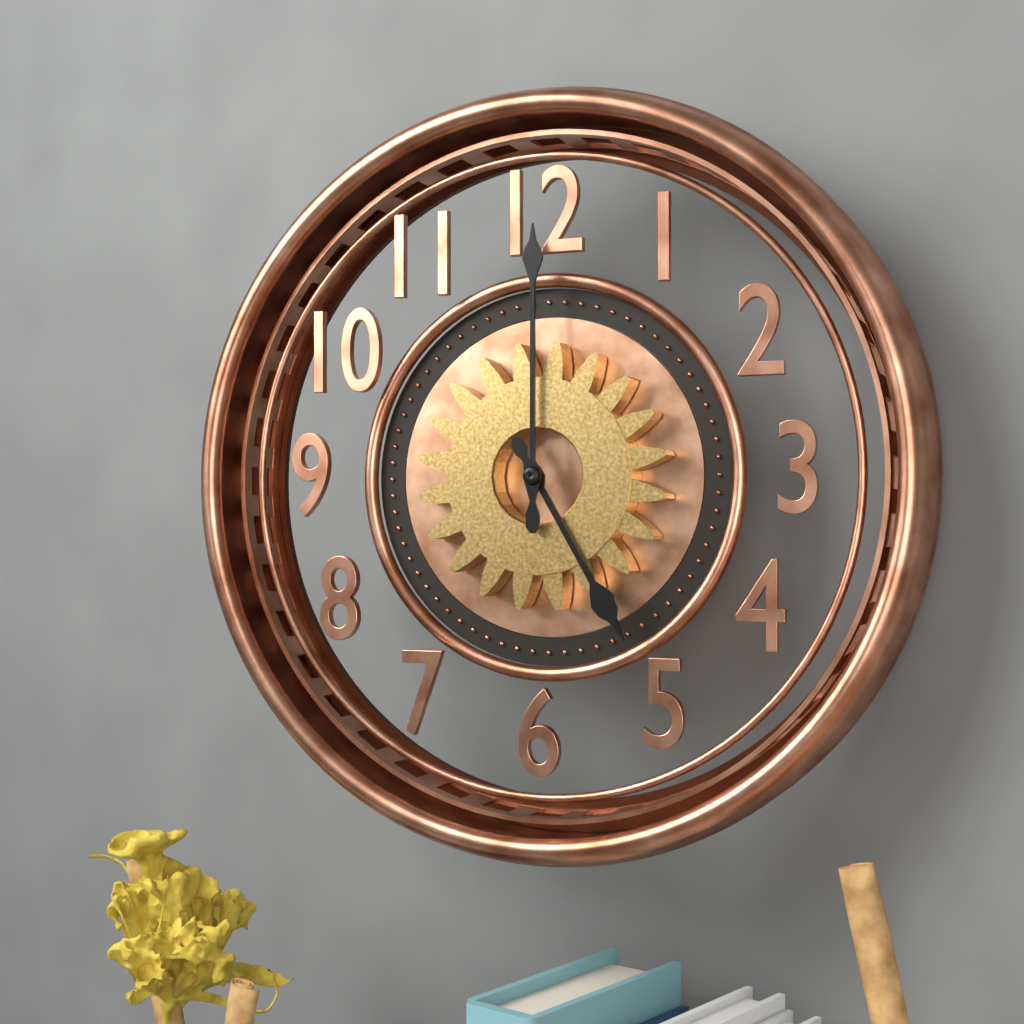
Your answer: 5.00
